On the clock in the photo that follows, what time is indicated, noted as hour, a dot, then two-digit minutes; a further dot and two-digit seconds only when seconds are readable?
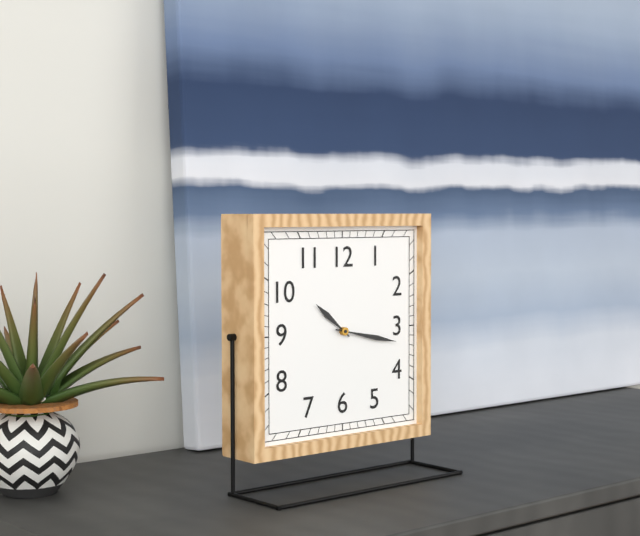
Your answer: 10.17
